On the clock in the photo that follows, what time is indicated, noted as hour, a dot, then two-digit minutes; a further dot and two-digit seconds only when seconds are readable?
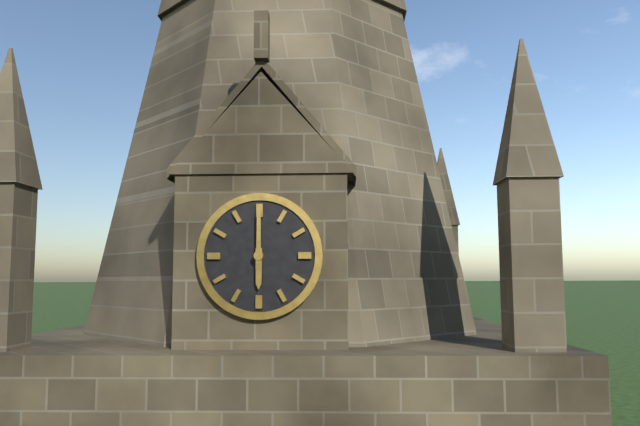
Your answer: 6.00
